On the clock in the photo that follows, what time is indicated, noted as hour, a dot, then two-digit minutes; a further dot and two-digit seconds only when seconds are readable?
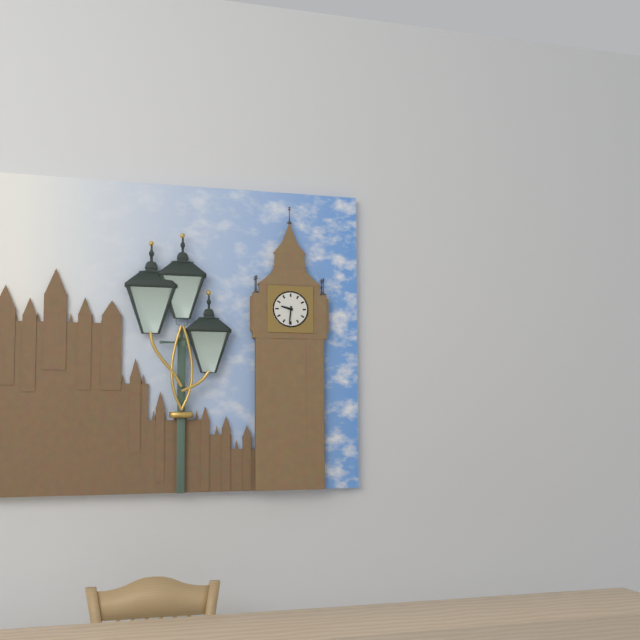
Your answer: 9.31
